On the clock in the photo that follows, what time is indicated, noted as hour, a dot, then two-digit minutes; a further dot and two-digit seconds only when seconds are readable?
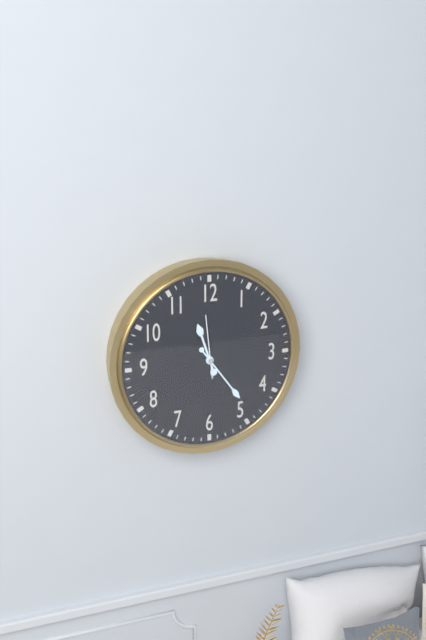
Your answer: 11.24.59
